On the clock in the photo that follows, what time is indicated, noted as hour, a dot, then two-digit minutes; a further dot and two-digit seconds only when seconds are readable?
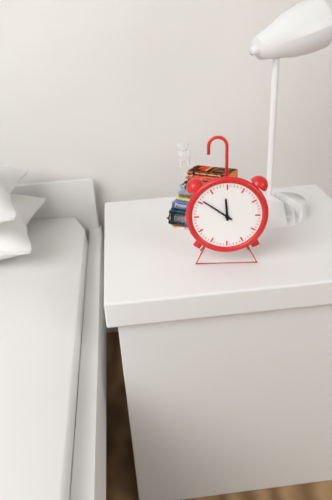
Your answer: 11.51
